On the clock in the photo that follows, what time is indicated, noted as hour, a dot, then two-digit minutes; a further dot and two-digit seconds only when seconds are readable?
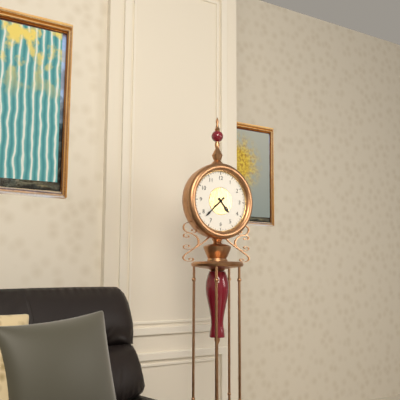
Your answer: 4.38
